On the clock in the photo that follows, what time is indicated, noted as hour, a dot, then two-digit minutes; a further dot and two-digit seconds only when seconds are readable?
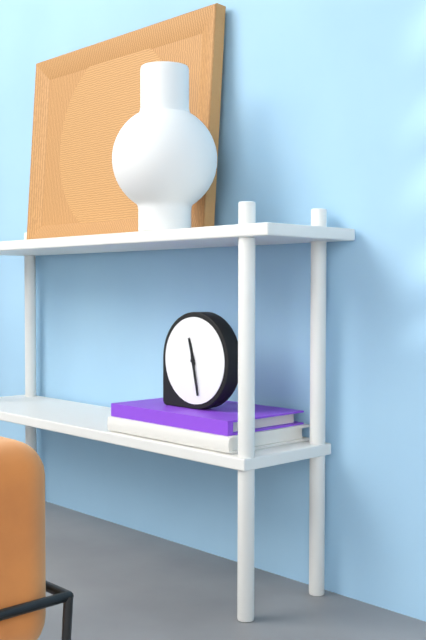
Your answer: 11.28
